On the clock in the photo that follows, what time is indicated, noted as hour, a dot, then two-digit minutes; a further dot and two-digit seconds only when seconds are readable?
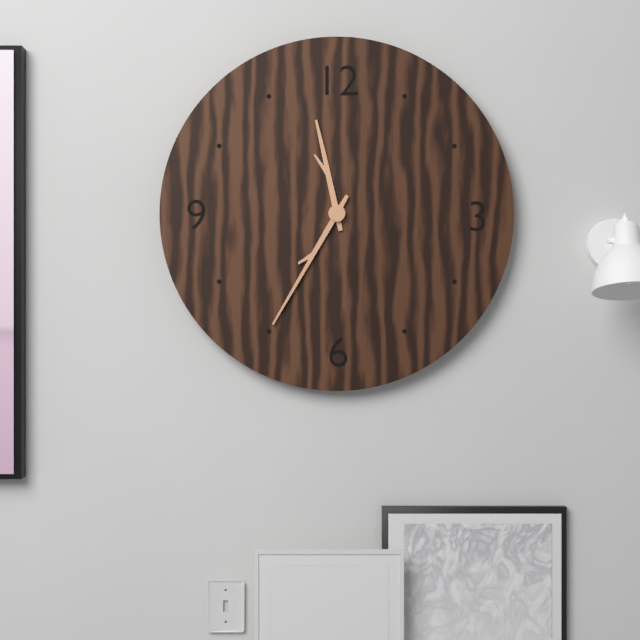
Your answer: 11.35
